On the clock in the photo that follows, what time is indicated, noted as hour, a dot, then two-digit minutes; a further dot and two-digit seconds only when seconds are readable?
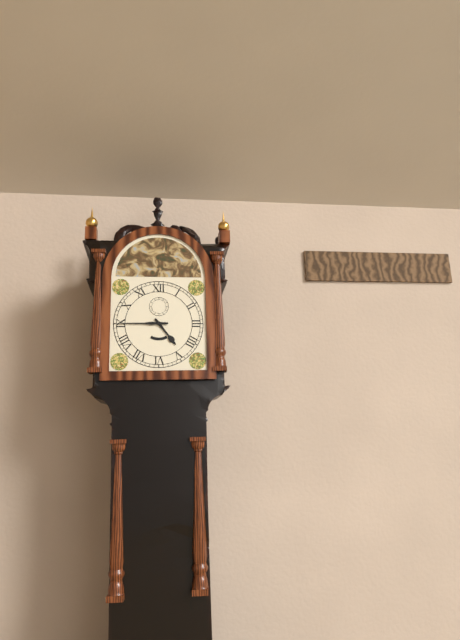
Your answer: 4.45
